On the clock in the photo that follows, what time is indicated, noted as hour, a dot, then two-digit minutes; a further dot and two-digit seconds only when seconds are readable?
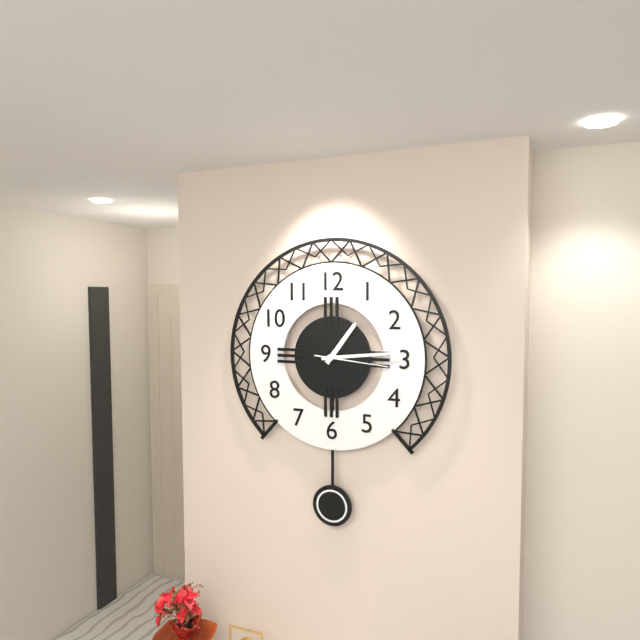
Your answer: 1.14.16
